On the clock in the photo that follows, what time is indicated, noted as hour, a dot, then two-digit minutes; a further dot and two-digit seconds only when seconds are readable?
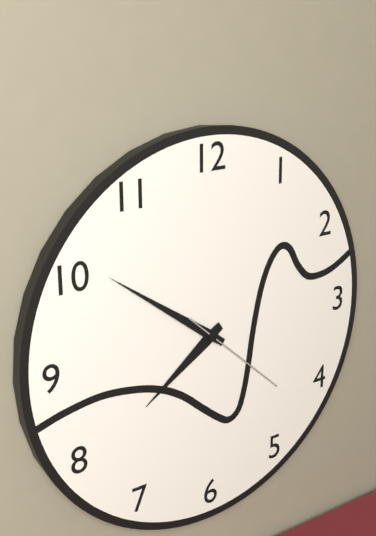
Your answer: 7.51.22
